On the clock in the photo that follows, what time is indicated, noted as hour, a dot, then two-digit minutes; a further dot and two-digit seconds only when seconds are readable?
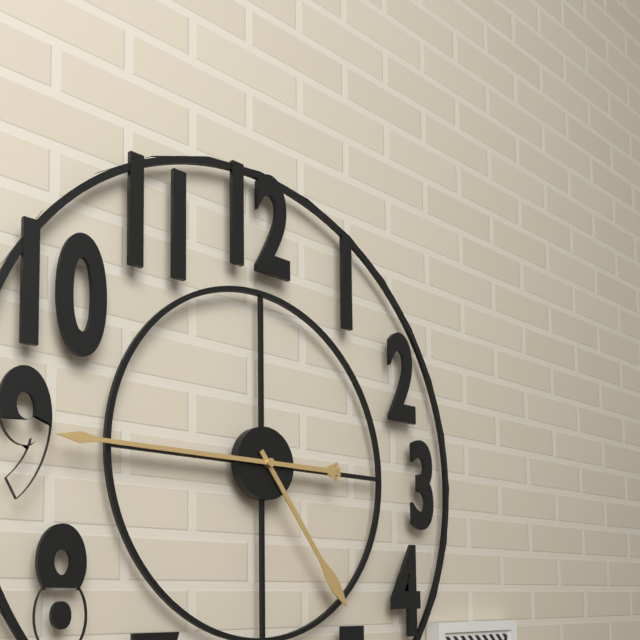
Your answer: 4.45
